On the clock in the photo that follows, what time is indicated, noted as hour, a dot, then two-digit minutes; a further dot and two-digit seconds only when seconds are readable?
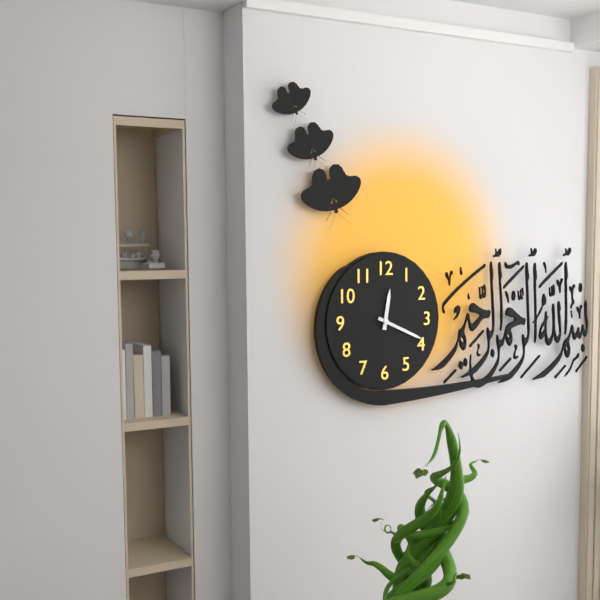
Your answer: 12.19
